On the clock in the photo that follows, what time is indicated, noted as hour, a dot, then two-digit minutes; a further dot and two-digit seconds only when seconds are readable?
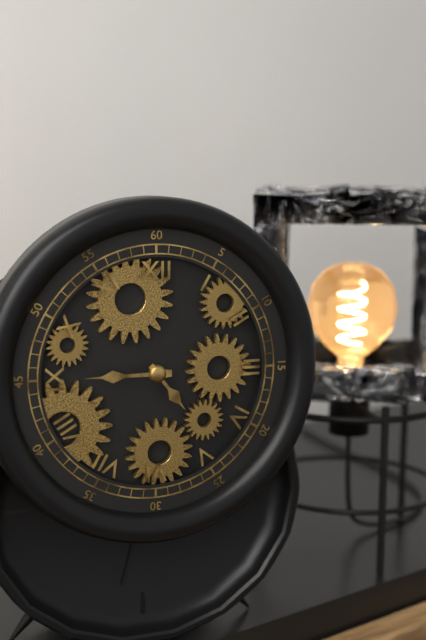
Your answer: 4.45
